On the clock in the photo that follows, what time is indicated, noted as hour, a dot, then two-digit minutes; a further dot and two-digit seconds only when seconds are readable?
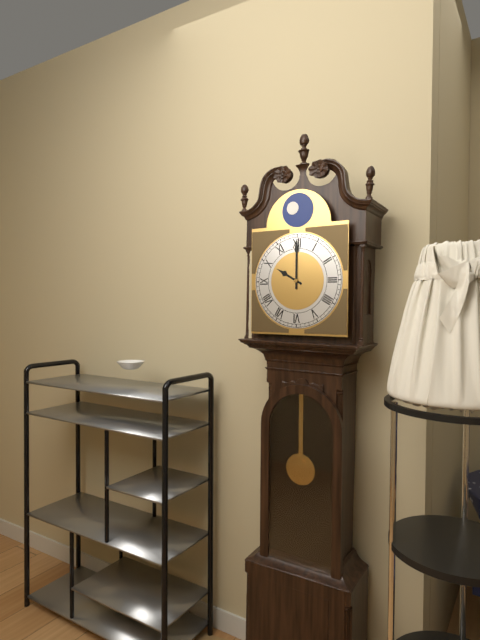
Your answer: 10.00
